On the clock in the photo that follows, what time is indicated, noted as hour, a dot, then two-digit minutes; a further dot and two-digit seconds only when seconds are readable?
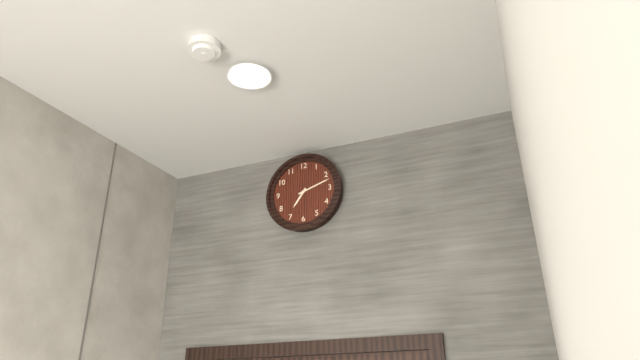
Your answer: 7.12
